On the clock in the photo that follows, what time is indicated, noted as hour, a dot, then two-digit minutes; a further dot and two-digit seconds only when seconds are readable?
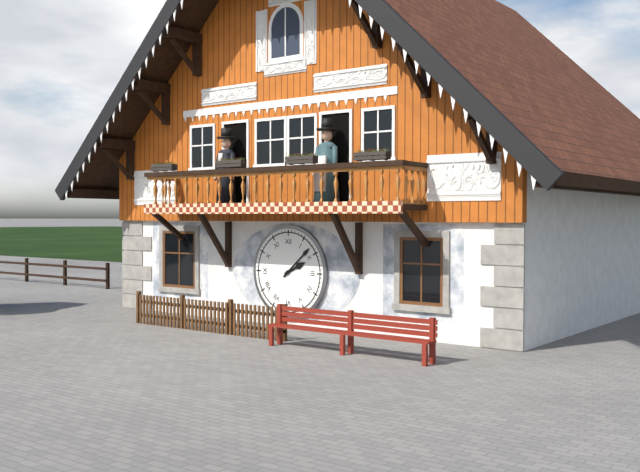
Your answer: 2.08
